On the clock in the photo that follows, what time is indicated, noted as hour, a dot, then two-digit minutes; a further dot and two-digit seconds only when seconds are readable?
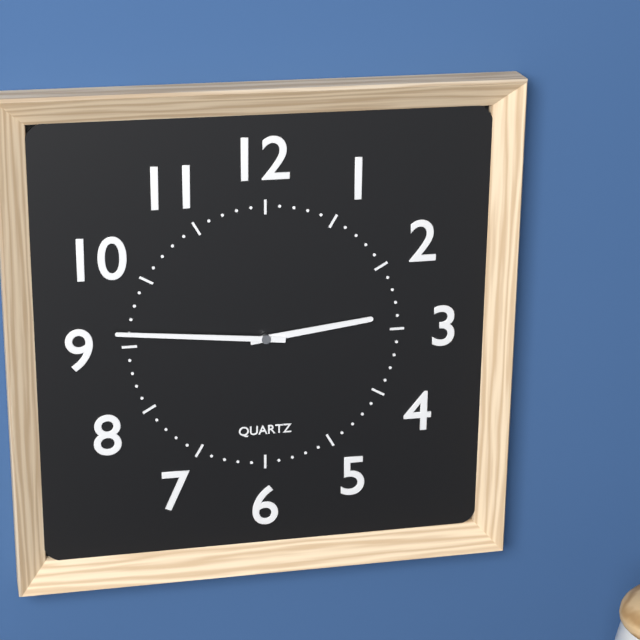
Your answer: 2.46
